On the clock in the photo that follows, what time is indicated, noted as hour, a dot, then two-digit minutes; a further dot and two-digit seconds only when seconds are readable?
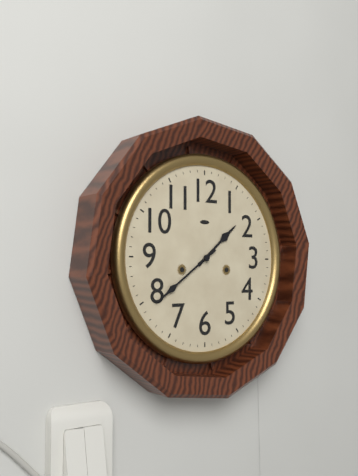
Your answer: 1.39
